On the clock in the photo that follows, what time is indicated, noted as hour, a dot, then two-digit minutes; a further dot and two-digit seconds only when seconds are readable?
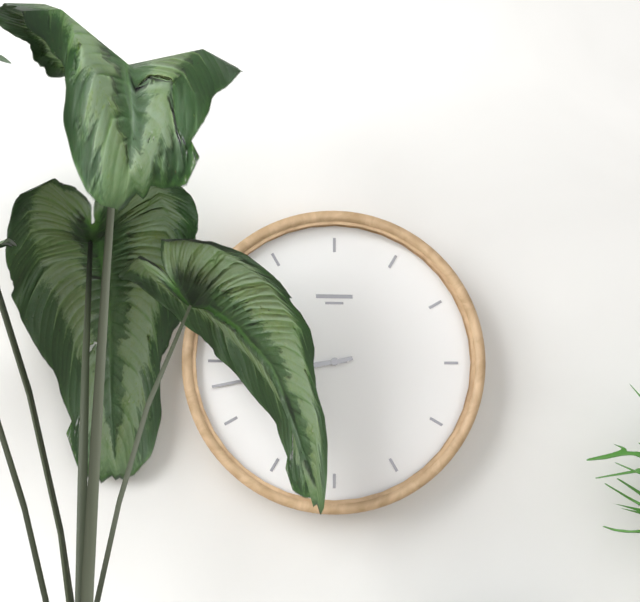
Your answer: 8.43
